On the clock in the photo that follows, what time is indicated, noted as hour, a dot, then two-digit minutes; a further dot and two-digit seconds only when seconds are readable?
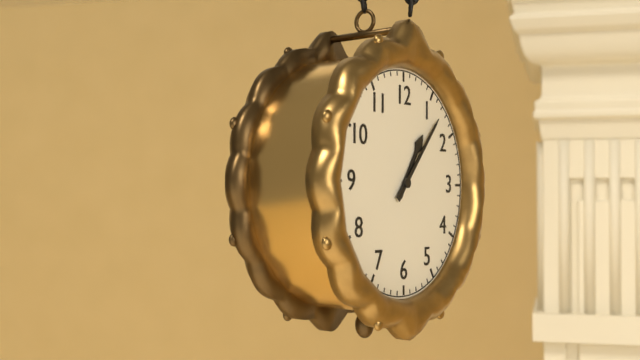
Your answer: 1.07
